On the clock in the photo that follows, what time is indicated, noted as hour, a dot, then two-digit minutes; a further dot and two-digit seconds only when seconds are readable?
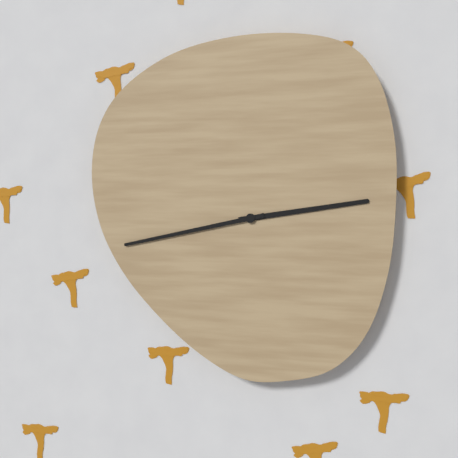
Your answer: 2.43
